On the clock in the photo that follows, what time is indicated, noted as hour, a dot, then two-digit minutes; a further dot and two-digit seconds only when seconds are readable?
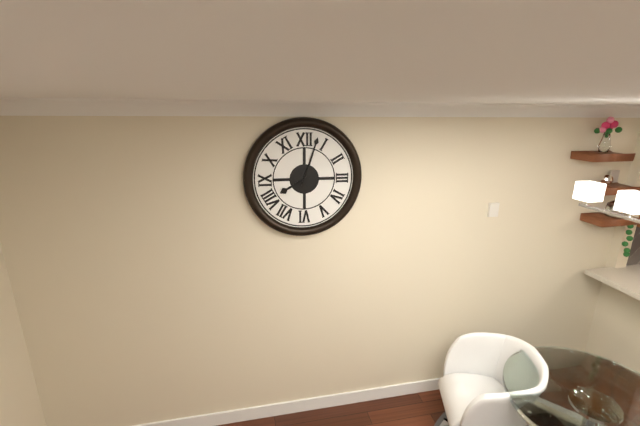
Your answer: 8.03
